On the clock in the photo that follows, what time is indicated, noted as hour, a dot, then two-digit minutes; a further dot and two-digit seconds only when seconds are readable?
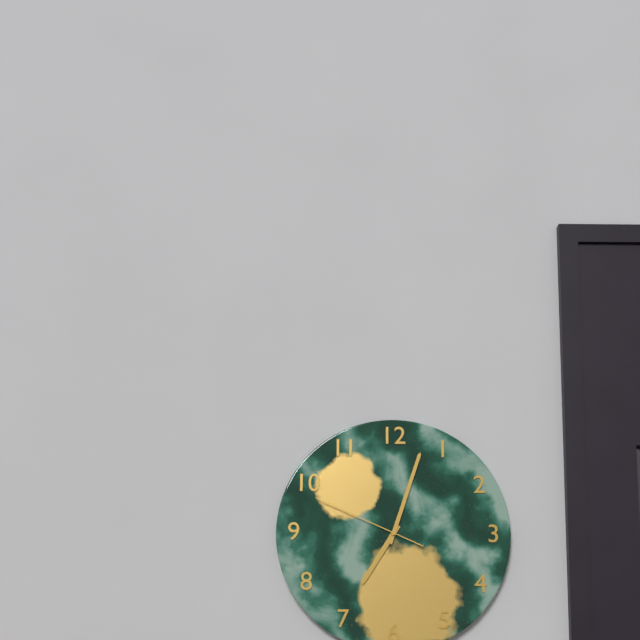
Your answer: 7.03.49
